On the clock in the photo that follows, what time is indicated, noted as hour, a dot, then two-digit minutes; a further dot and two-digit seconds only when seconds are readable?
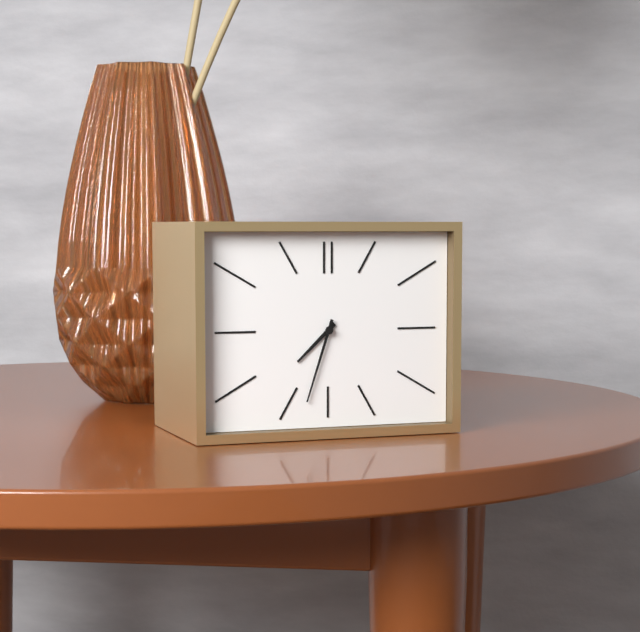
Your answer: 7.33
